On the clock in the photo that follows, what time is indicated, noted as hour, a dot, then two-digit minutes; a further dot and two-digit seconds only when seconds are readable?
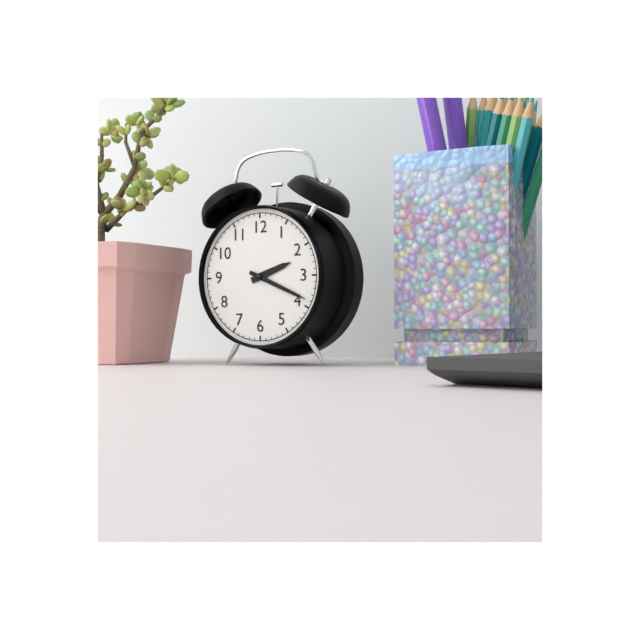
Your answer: 2.19
